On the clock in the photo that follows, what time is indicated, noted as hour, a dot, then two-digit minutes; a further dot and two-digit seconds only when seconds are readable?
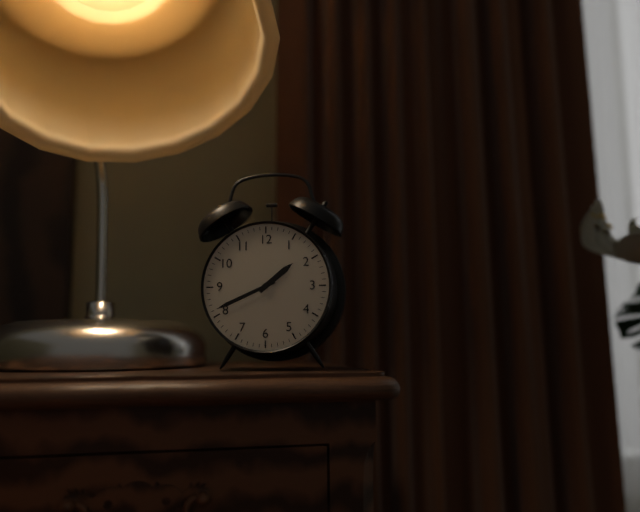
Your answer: 1.41
